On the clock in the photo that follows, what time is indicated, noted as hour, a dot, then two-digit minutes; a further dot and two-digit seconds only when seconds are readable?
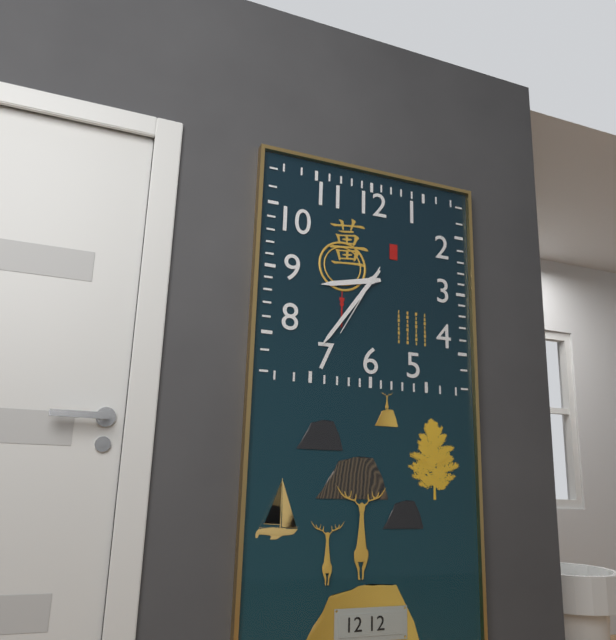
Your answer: 8.36.35
